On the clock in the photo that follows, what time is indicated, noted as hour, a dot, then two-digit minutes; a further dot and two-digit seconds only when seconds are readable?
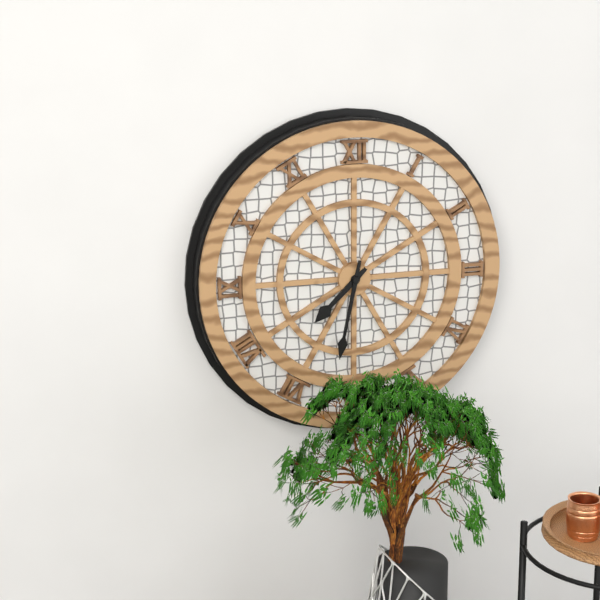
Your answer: 7.32
